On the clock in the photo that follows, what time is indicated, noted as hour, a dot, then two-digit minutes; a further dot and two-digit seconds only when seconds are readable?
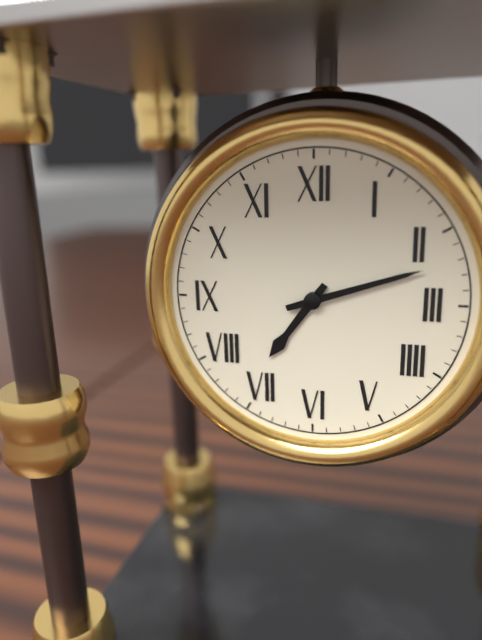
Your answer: 7.12
